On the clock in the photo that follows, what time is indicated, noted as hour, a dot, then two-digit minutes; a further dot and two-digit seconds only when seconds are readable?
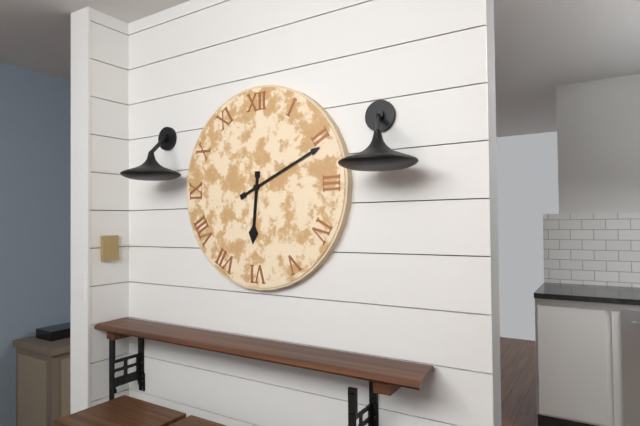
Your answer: 6.11
